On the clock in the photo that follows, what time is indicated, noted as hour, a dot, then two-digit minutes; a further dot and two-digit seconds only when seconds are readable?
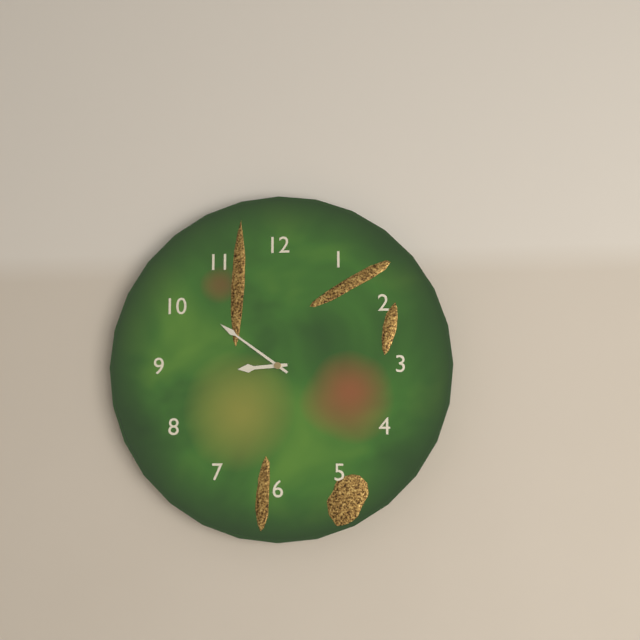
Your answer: 8.51
